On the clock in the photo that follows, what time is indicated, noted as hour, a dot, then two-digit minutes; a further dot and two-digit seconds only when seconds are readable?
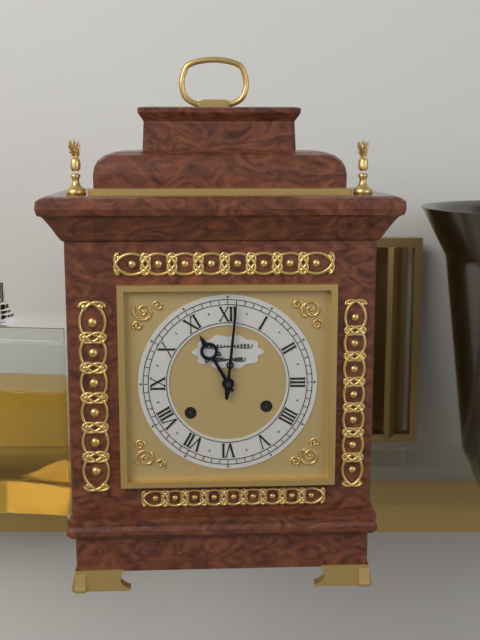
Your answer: 11.01
